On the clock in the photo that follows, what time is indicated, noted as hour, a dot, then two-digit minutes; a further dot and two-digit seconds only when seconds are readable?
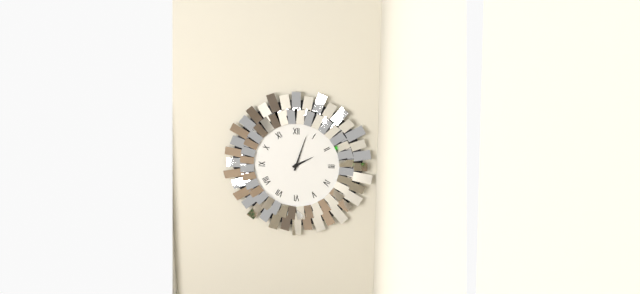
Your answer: 2.03
